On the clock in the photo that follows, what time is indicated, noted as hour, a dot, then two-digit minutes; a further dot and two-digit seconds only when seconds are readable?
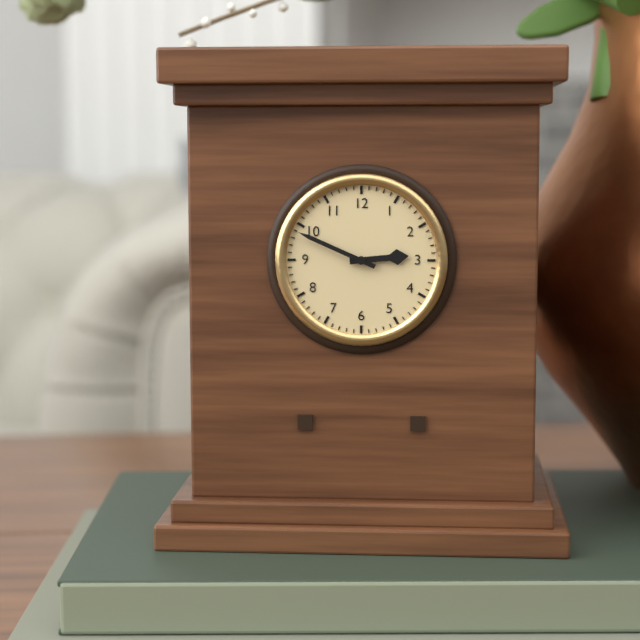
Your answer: 2.49
